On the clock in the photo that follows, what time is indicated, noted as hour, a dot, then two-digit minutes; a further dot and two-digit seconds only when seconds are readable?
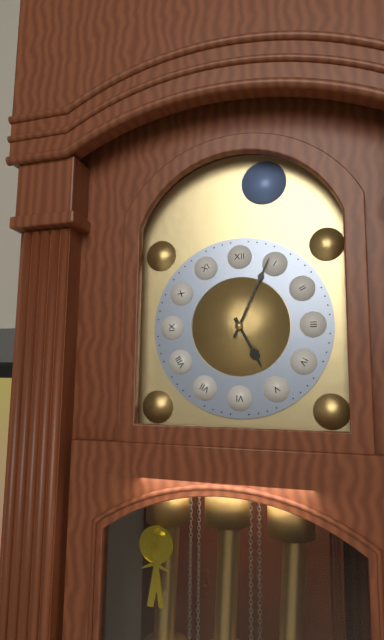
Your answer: 5.04
